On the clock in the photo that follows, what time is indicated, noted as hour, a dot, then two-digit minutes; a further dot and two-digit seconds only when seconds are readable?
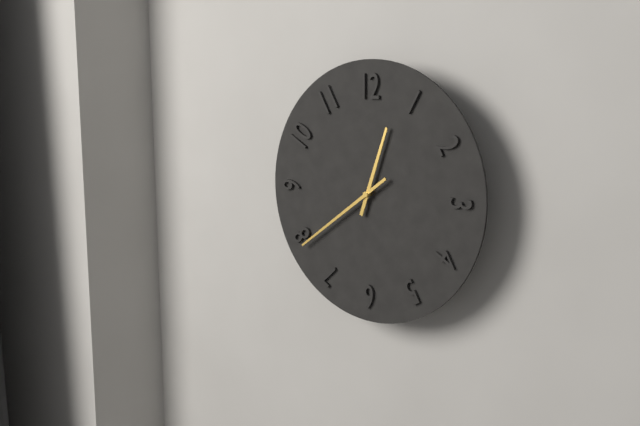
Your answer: 12.39
